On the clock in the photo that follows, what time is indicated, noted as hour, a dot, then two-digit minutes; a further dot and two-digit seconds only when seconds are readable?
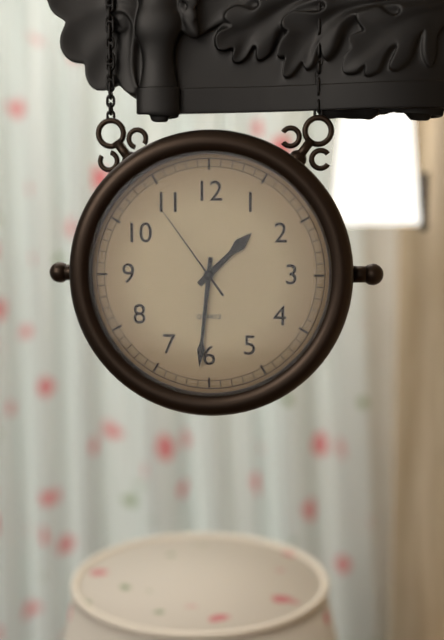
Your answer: 1.31.54
